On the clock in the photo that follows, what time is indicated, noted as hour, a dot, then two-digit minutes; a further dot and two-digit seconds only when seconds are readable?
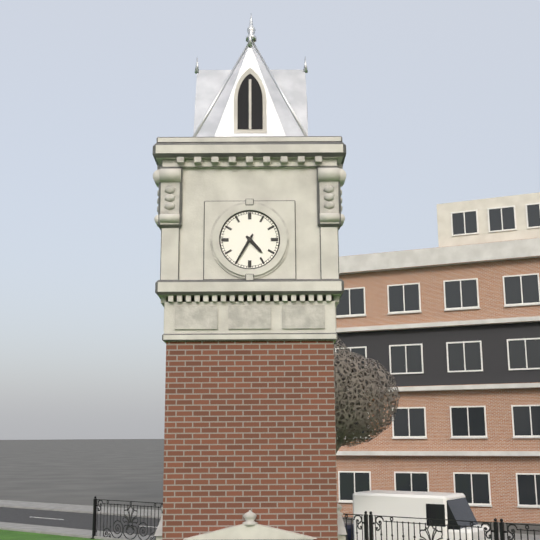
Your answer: 4.35
